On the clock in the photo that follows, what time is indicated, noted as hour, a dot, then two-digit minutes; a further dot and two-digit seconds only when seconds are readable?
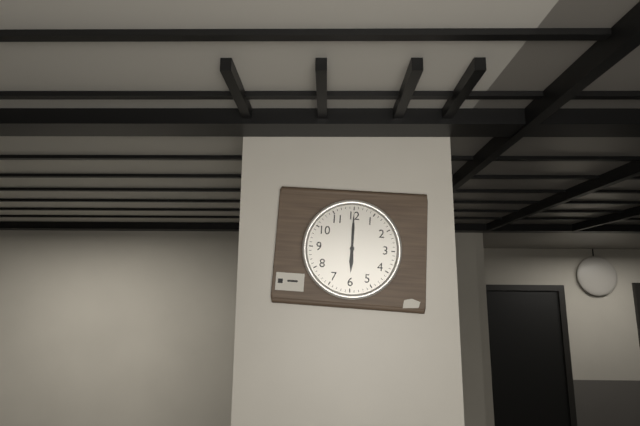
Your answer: 6.00
